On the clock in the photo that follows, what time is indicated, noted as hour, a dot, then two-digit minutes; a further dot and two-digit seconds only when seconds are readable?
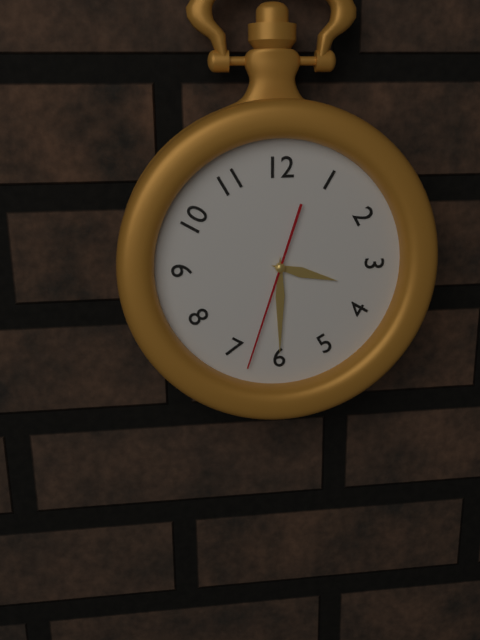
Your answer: 3.30.33
